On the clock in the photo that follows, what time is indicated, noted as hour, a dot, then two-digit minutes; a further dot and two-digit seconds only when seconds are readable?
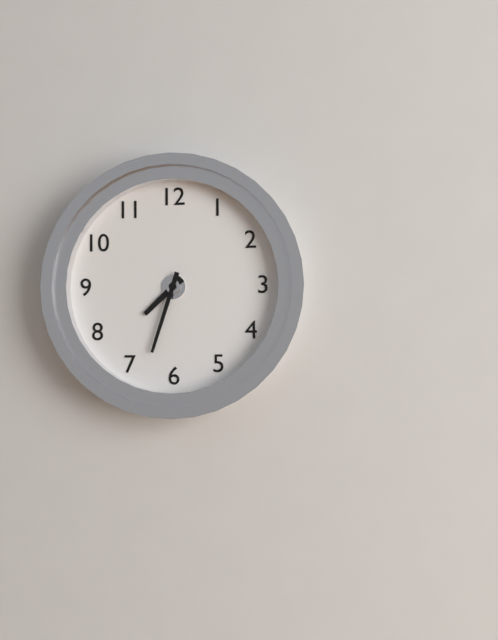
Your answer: 7.33
